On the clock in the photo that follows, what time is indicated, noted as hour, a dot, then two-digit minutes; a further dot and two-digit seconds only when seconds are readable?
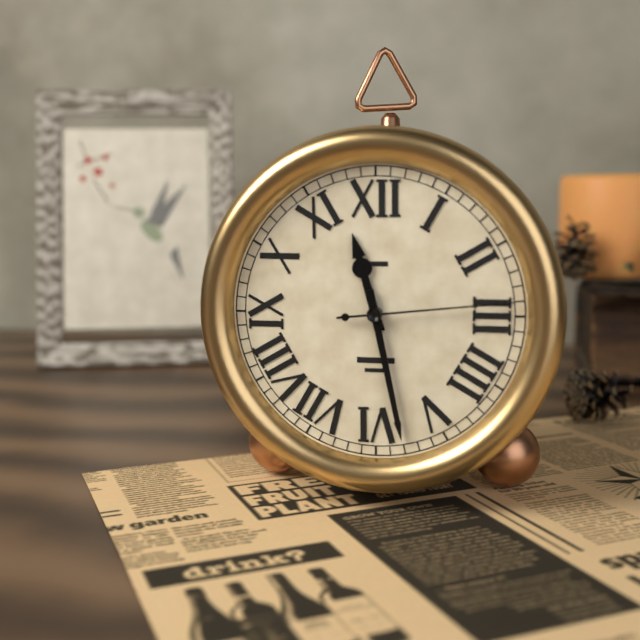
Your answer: 11.28.14
